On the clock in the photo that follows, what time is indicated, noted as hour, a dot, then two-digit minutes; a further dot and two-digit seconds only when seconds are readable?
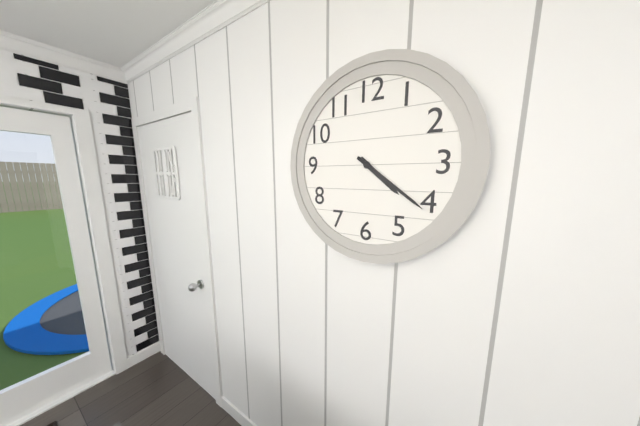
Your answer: 4.21
